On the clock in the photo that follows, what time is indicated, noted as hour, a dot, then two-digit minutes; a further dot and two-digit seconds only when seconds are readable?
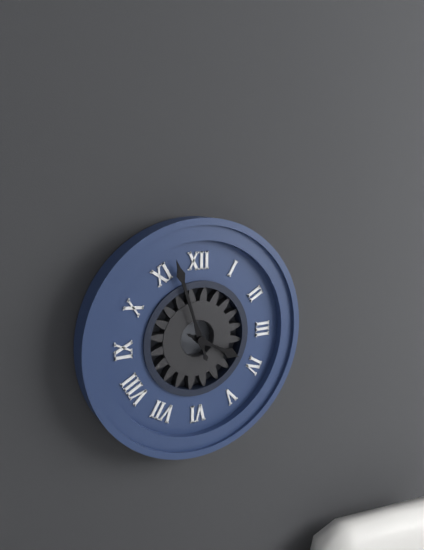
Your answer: 3.57
